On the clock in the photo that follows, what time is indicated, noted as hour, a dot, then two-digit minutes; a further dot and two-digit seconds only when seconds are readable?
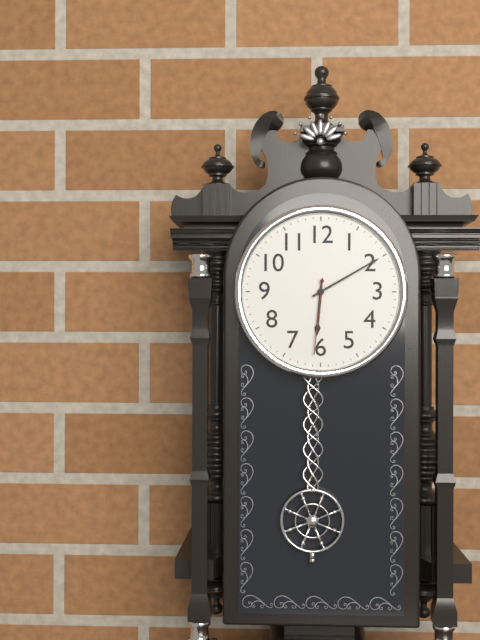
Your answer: 6.10.31
